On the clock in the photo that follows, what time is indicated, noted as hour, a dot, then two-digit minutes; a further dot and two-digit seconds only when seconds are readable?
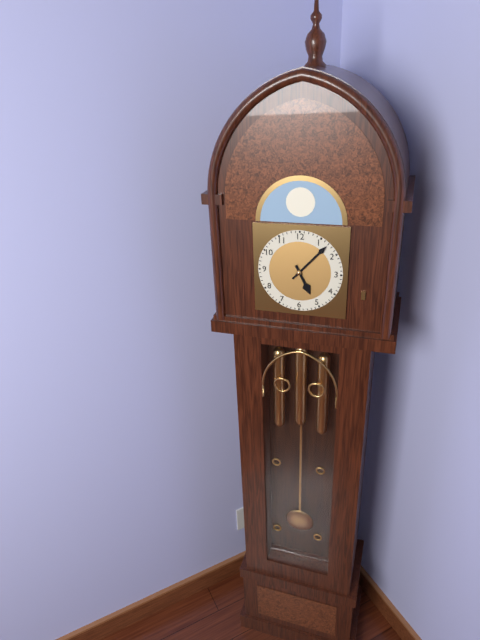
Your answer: 5.07
